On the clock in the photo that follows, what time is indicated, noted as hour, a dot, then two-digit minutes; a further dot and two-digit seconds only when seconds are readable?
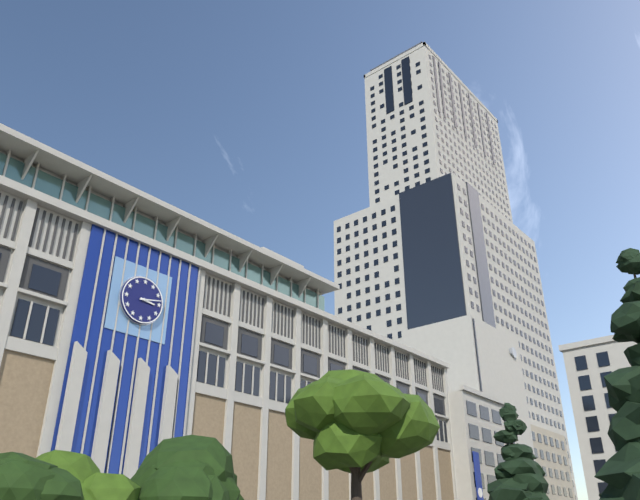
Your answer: 3.13
